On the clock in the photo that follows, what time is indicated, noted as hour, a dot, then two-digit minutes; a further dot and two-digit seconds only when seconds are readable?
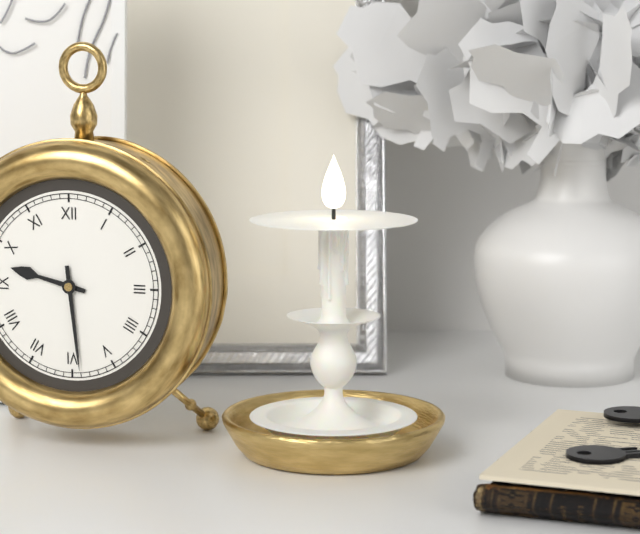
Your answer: 9.29
